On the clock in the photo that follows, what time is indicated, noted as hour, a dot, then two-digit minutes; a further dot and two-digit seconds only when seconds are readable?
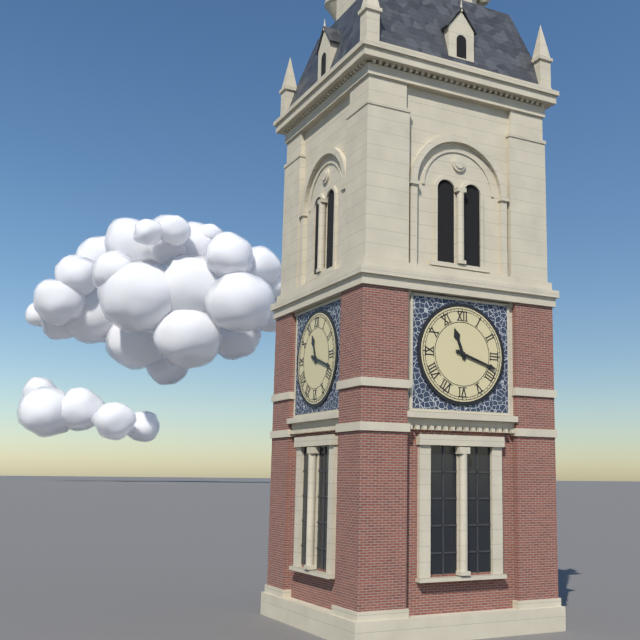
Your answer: 11.18
